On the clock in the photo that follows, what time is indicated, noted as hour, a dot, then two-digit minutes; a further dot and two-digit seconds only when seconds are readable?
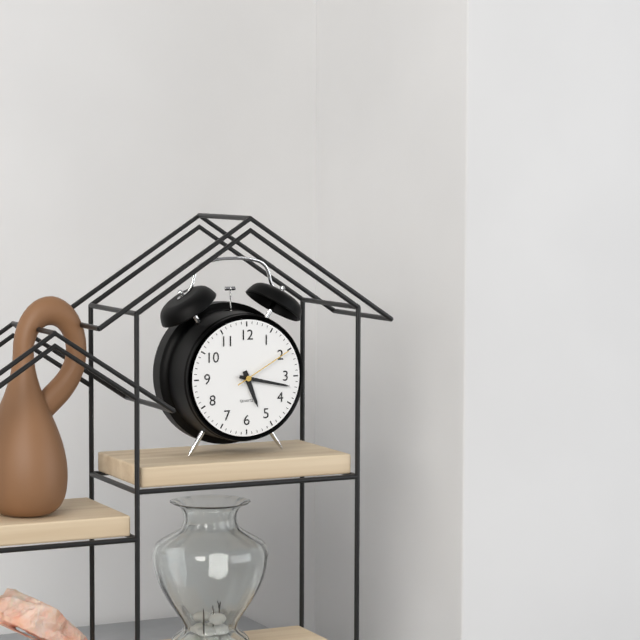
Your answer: 5.17.10
